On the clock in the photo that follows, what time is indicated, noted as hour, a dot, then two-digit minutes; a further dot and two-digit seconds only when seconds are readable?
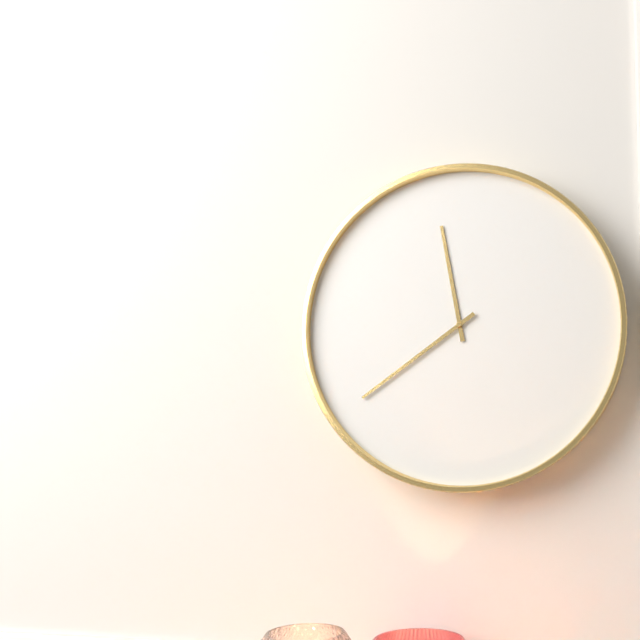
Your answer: 11.39
